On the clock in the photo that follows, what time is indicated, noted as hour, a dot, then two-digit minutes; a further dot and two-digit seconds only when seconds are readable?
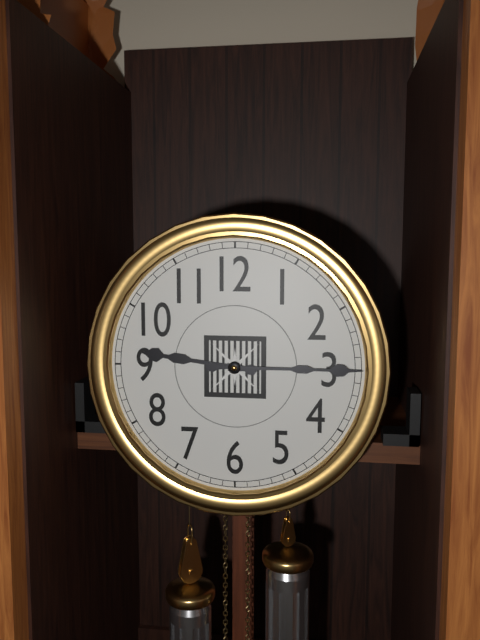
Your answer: 9.15
